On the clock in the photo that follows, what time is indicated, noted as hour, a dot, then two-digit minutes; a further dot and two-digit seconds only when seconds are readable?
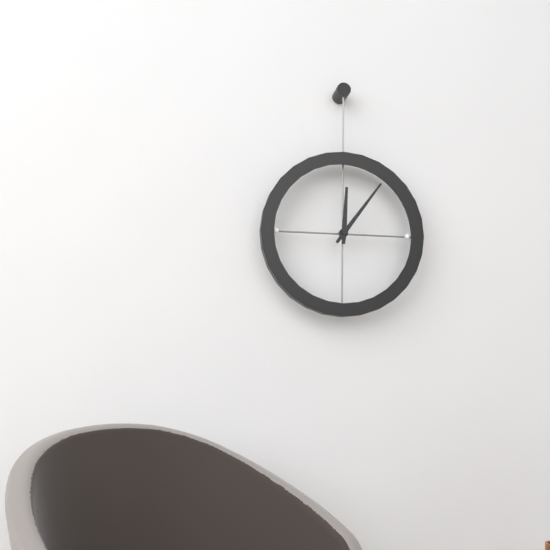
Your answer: 12.06
